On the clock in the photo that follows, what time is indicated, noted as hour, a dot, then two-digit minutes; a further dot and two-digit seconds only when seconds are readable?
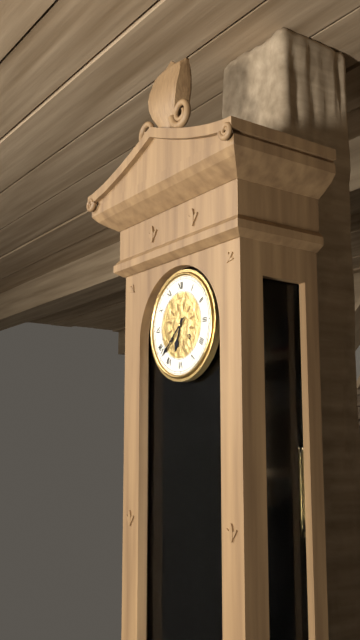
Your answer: 6.38
